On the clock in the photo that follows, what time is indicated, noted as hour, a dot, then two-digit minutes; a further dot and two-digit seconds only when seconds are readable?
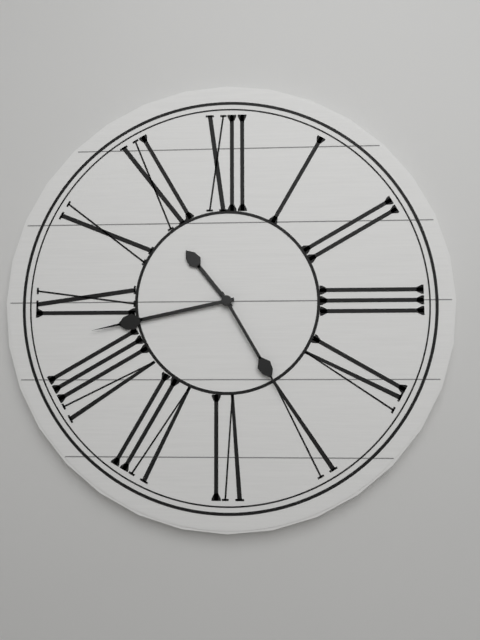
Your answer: 10.43.25
